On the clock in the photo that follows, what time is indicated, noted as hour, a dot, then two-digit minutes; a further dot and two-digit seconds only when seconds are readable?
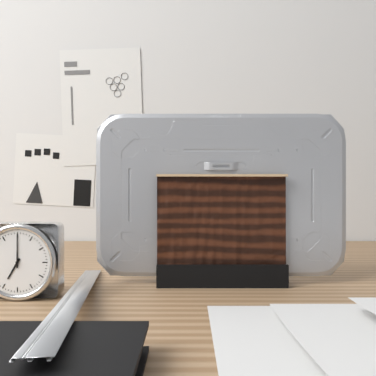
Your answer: 7.00
